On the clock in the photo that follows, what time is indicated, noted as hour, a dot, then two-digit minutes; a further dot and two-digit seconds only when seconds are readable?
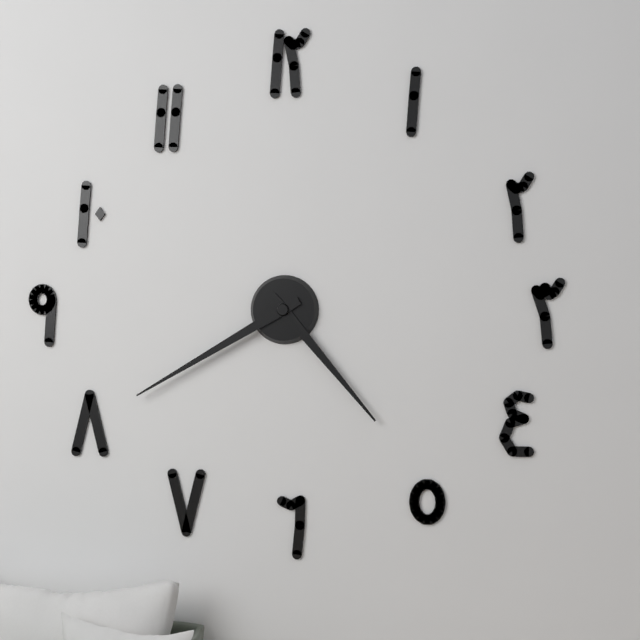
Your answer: 4.40
